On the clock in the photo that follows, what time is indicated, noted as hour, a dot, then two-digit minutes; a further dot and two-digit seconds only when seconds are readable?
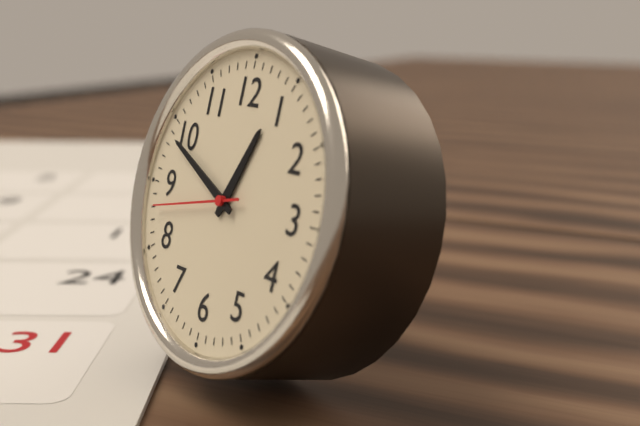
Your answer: 12.49.43
